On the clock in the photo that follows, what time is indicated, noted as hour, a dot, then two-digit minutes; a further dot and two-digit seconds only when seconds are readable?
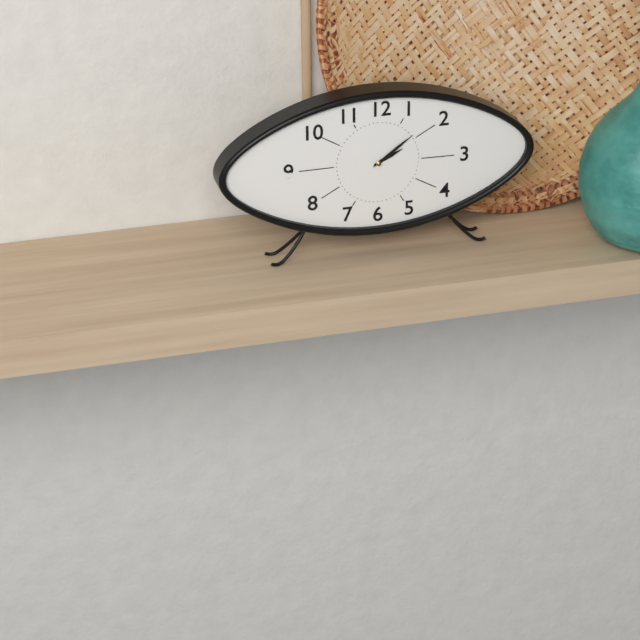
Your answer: 2.09
